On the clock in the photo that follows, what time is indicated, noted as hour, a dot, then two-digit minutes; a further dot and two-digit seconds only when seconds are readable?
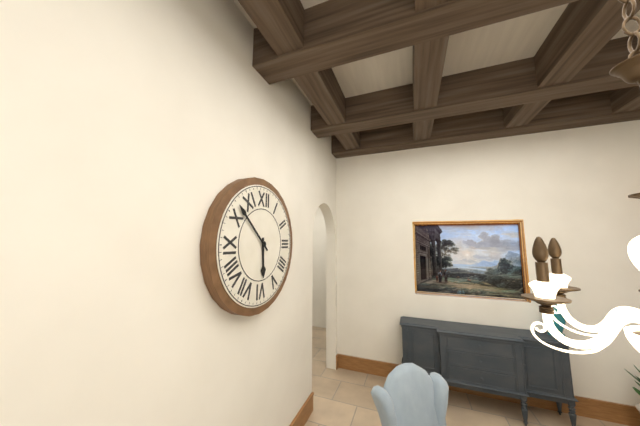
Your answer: 5.52
